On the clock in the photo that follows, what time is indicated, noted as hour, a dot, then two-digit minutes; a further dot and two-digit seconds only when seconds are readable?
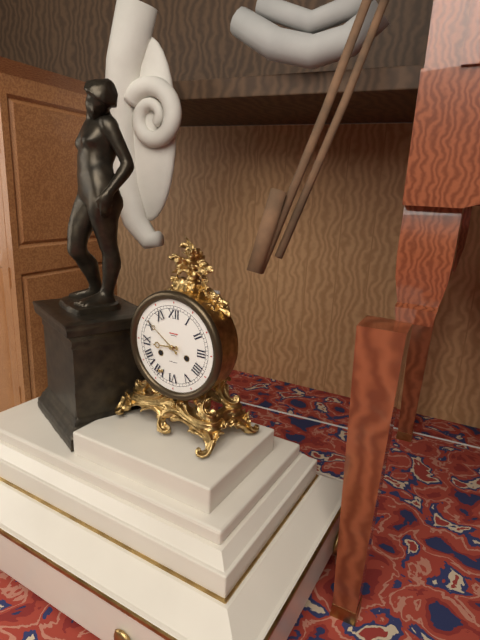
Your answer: 8.51
